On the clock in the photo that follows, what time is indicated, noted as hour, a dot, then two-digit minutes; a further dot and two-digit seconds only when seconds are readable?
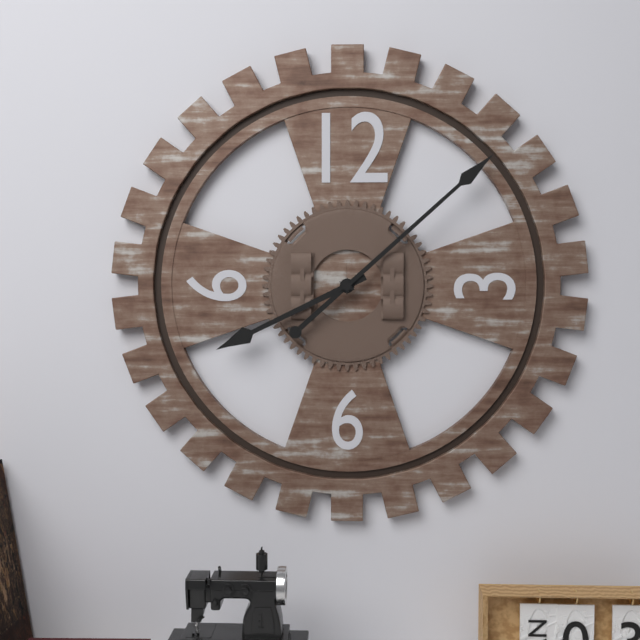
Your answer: 8.08
